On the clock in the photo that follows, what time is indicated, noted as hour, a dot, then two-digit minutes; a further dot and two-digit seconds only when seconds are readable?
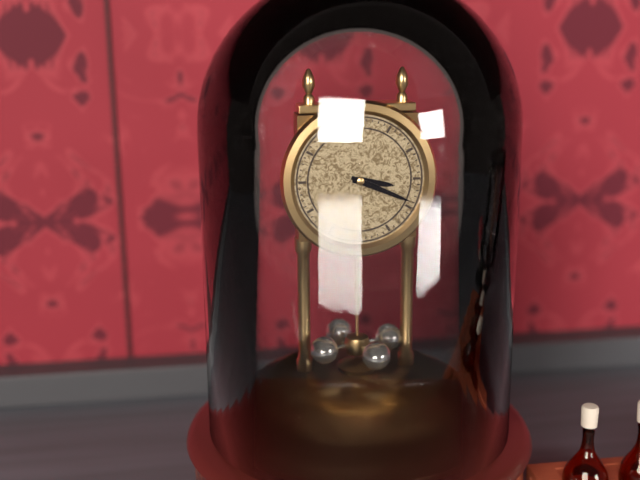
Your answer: 3.19
